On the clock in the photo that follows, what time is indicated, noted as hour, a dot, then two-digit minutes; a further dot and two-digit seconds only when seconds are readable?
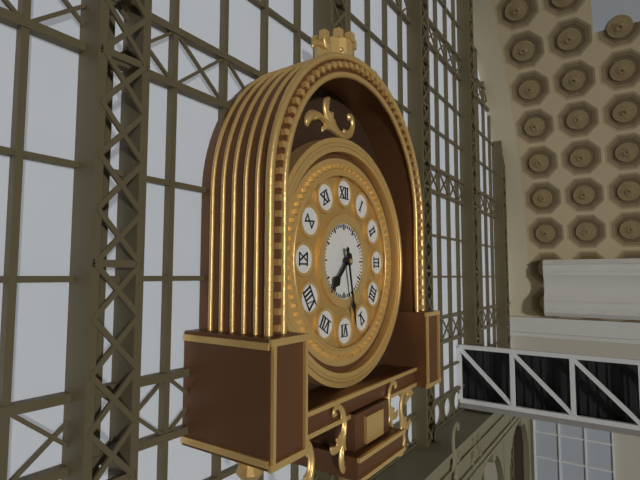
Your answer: 7.28
